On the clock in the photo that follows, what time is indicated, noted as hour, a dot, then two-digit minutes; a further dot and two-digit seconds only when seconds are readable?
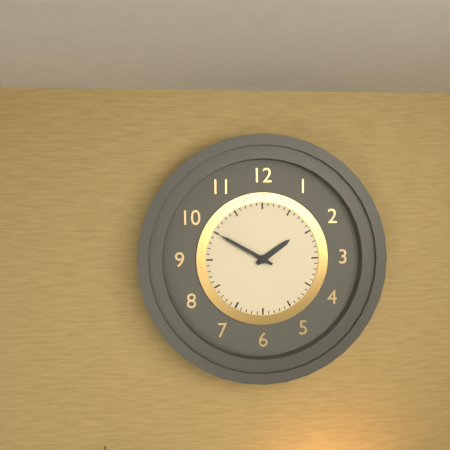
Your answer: 1.50
